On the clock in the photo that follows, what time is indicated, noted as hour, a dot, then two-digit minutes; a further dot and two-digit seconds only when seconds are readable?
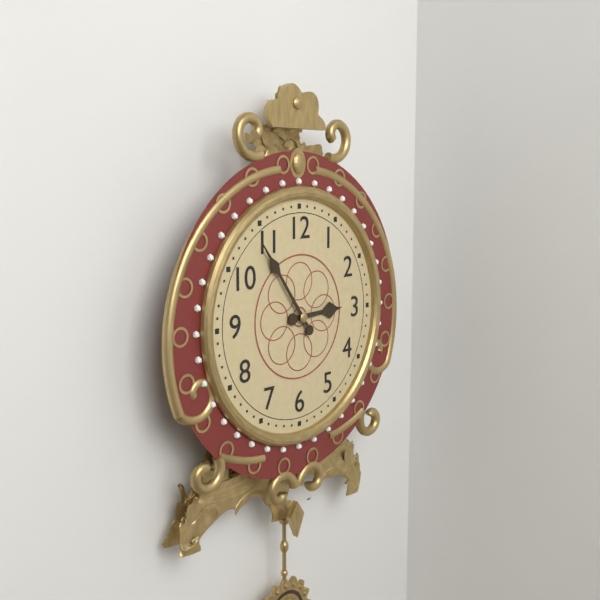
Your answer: 2.54
